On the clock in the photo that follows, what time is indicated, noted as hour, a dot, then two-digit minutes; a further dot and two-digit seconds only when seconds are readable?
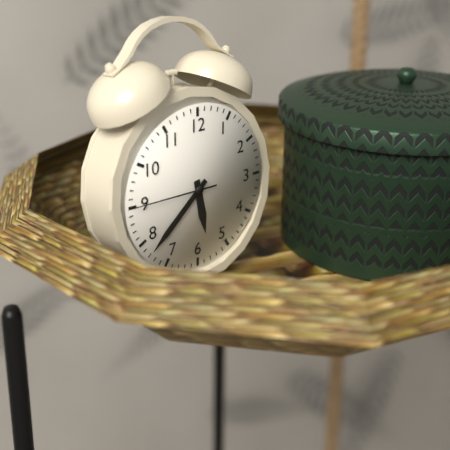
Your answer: 5.38.45
